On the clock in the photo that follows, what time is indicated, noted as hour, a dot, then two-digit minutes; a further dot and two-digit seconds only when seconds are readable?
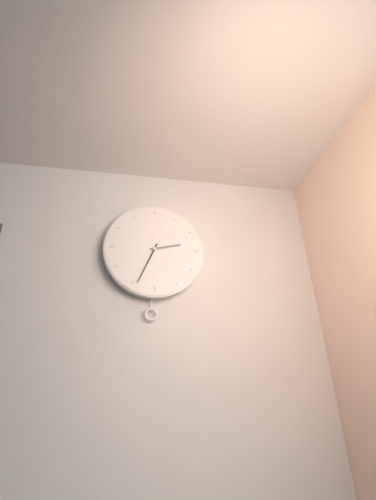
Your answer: 2.34
